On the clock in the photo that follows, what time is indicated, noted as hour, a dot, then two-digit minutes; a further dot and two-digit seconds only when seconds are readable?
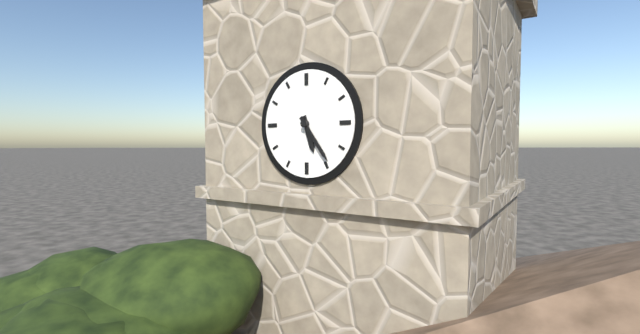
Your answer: 5.24
